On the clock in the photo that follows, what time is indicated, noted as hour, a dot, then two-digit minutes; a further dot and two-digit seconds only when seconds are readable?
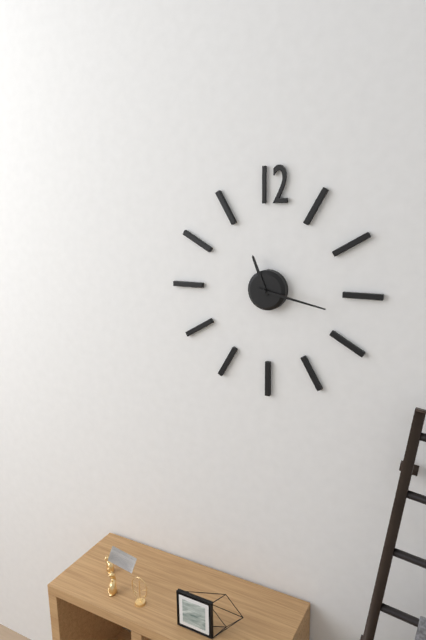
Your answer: 11.17
